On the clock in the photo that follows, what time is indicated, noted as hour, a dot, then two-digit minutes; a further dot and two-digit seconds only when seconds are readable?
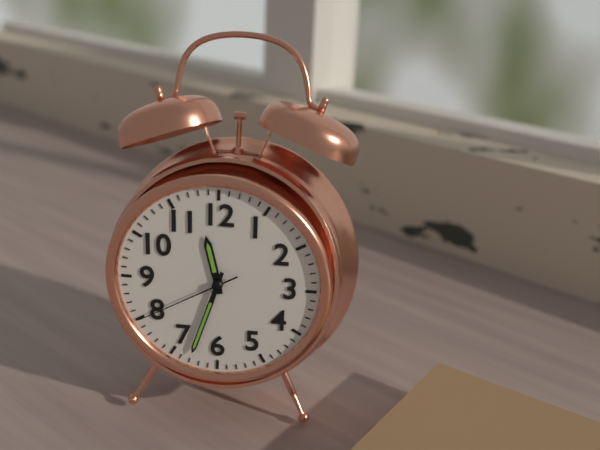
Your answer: 11.33.40
